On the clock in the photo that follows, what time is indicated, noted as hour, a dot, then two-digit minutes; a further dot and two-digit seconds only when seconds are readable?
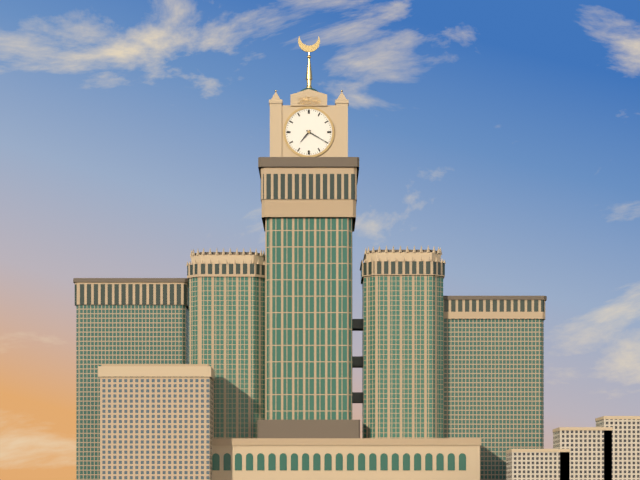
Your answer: 7.20
